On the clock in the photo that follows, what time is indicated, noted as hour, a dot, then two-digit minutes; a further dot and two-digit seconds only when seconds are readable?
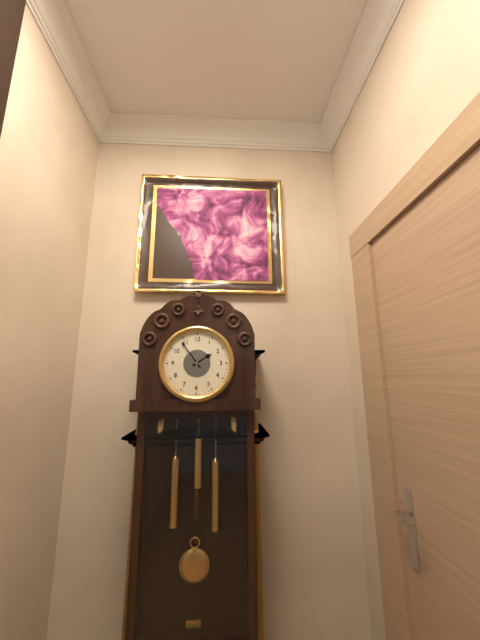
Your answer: 1.54
